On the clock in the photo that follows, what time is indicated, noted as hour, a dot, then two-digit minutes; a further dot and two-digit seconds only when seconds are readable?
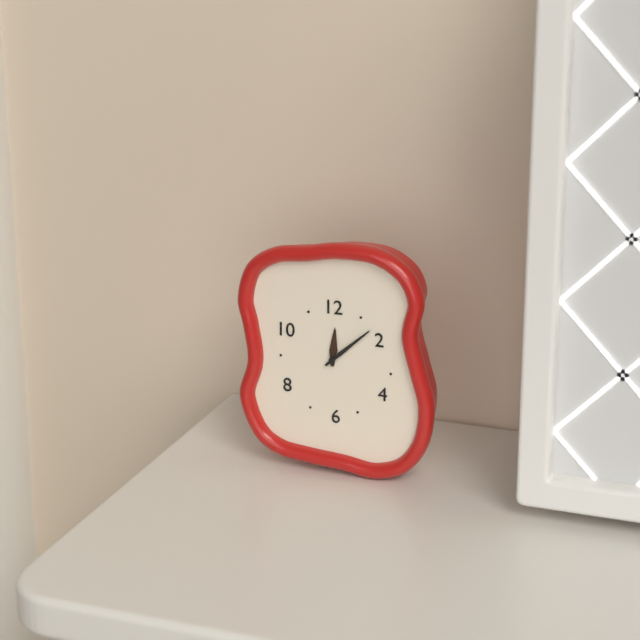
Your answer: 12.08
